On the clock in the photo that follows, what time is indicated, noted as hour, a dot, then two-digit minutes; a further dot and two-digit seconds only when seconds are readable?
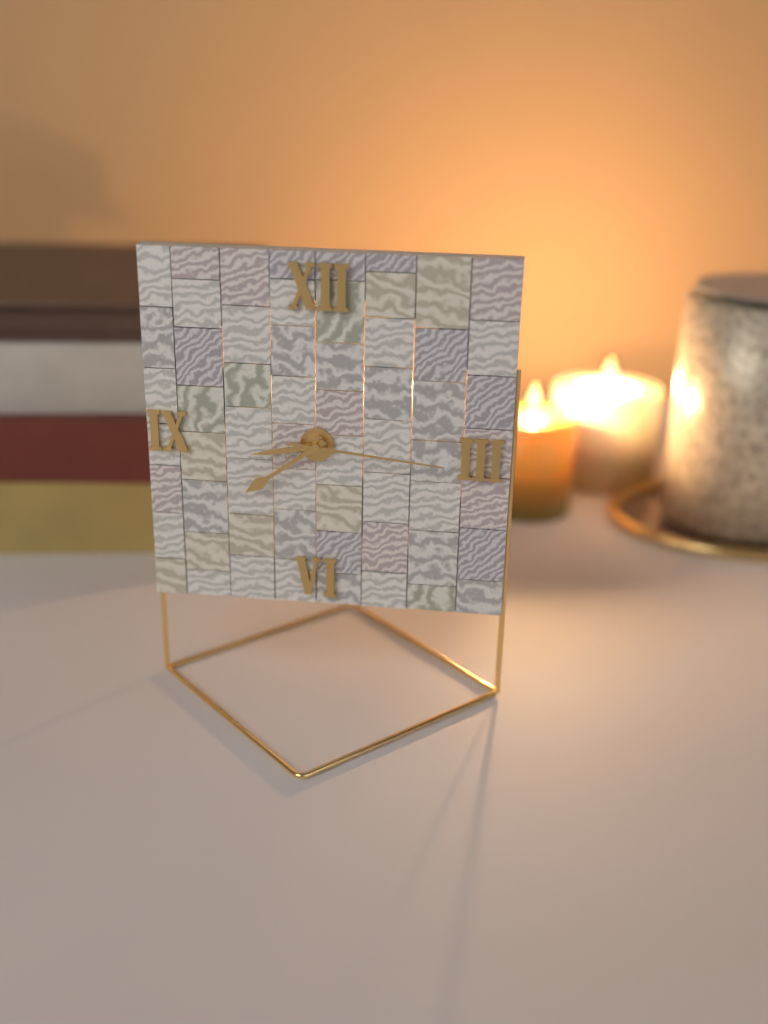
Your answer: 8.39.16
